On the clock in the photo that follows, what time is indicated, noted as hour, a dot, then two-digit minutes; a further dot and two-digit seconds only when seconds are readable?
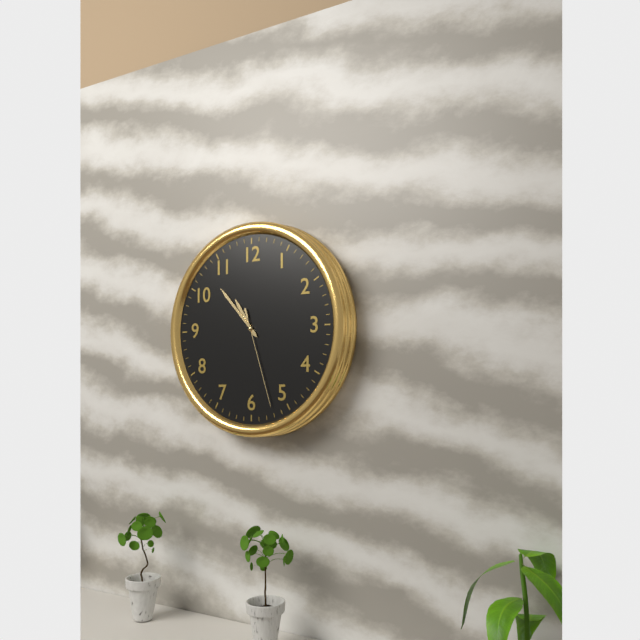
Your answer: 10.53.27
